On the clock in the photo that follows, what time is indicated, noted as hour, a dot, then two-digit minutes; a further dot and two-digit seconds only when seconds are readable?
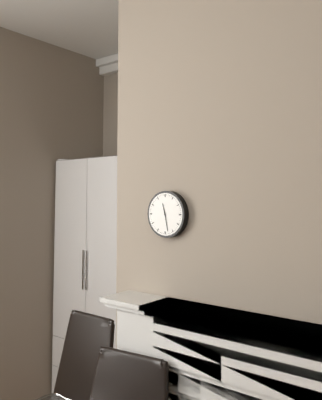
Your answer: 11.28
